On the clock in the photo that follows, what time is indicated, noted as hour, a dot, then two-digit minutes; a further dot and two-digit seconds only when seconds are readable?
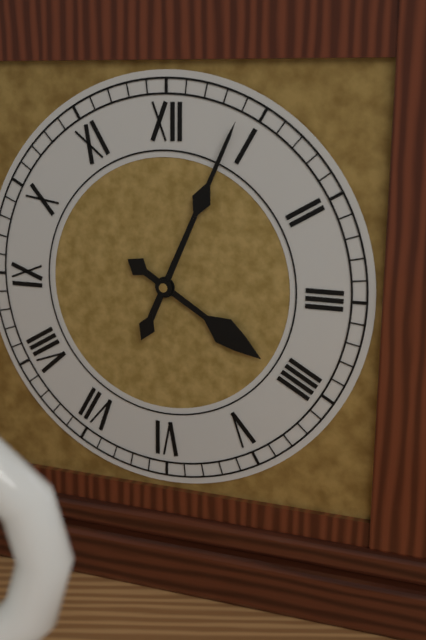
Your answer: 4.04
